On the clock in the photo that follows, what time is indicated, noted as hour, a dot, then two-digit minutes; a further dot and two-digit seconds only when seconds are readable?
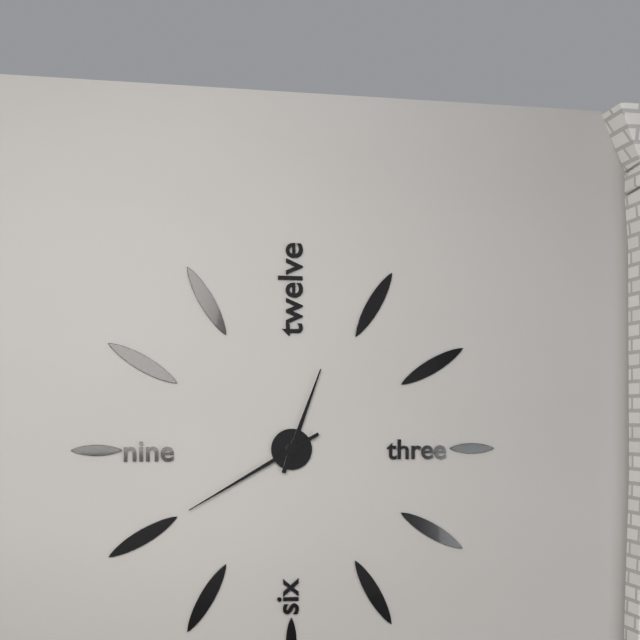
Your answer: 12.40
